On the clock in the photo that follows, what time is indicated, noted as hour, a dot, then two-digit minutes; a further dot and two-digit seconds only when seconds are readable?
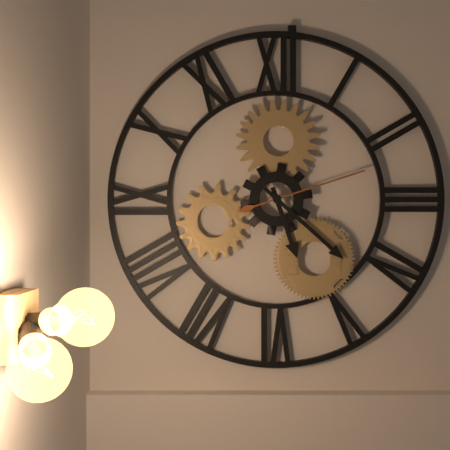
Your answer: 5.22.12
